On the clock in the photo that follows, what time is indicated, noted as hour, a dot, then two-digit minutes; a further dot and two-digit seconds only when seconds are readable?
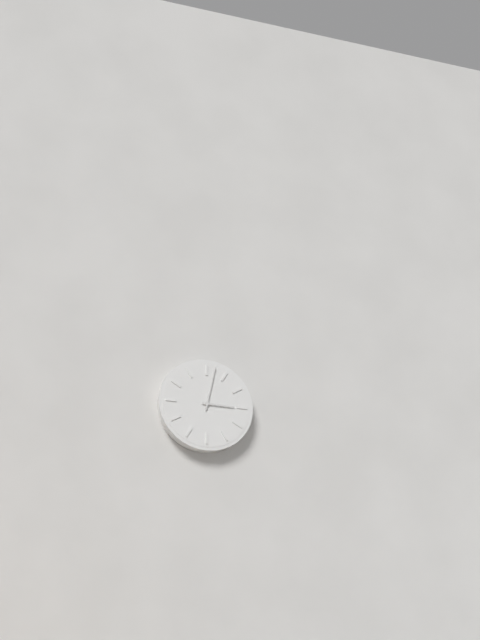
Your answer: 3.02
